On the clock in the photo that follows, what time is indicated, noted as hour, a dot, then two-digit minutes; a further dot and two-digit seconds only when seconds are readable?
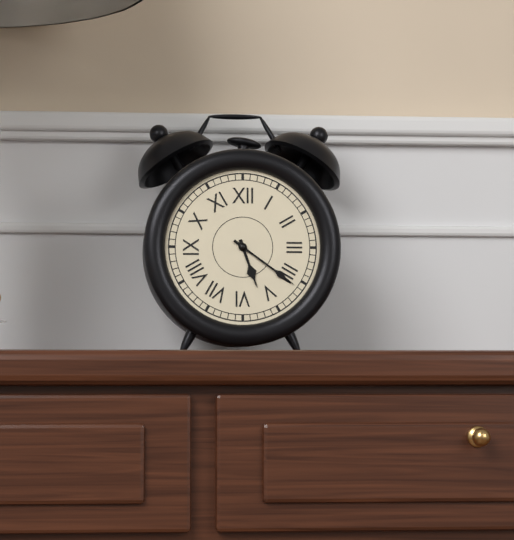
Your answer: 5.21
